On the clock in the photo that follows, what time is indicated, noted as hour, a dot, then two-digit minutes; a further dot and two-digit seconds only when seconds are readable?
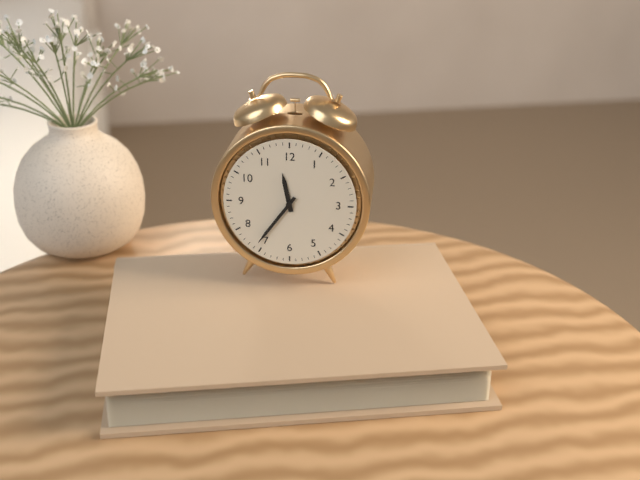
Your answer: 11.36
